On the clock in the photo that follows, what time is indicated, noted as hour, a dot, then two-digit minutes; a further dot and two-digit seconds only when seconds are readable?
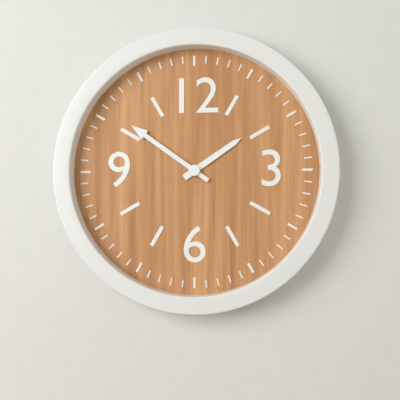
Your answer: 1.51
